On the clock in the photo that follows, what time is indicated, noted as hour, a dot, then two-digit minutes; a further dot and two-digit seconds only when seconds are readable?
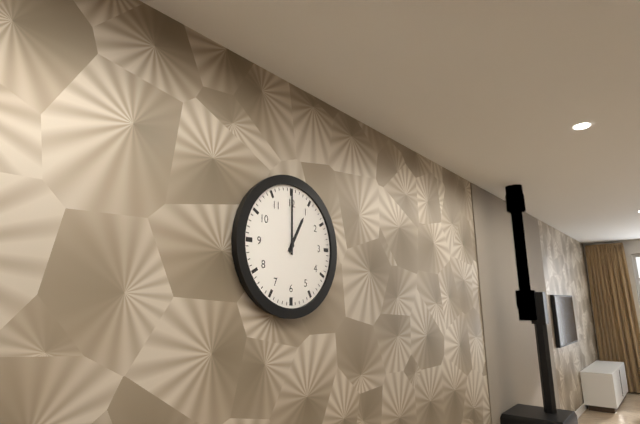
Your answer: 1.00
